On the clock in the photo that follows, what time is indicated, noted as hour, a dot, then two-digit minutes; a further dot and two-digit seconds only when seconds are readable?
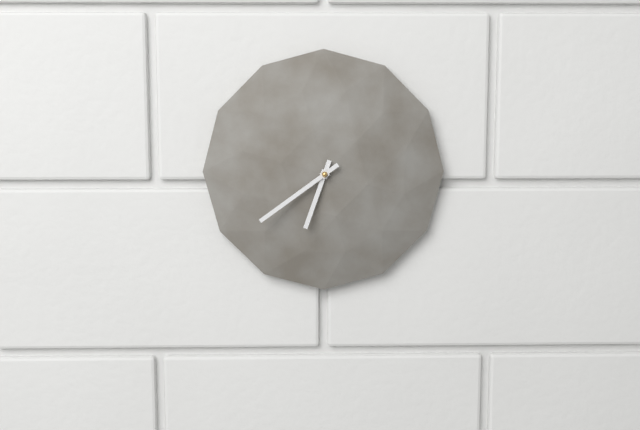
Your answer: 6.39
